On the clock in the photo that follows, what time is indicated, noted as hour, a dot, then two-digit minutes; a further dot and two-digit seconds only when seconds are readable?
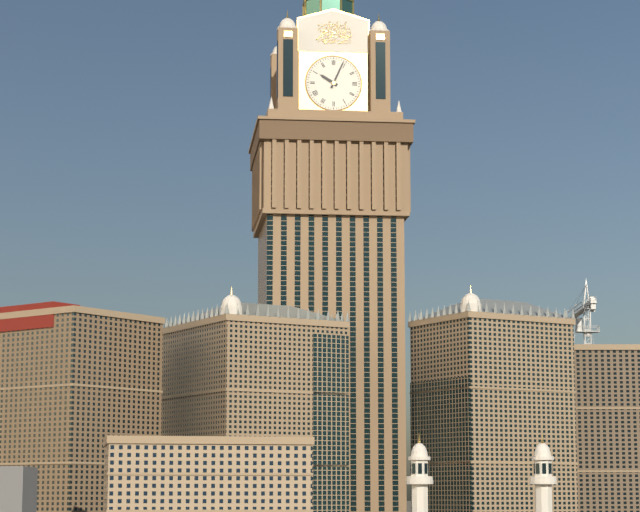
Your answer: 10.04
